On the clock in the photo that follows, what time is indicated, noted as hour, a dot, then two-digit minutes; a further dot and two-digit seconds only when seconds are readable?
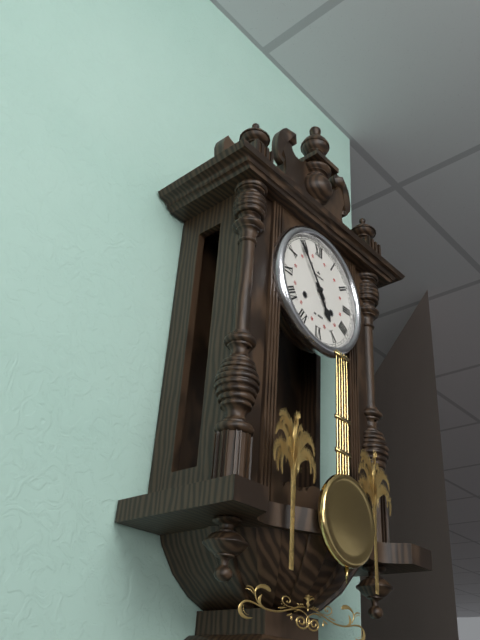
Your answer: 4.54
